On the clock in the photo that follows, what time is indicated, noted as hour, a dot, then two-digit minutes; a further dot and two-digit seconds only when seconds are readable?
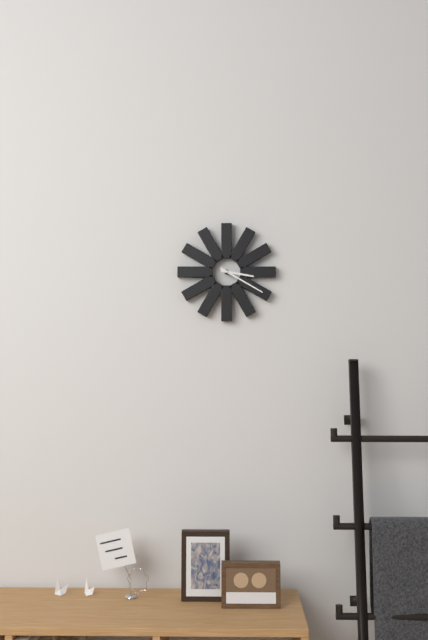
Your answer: 3.20
